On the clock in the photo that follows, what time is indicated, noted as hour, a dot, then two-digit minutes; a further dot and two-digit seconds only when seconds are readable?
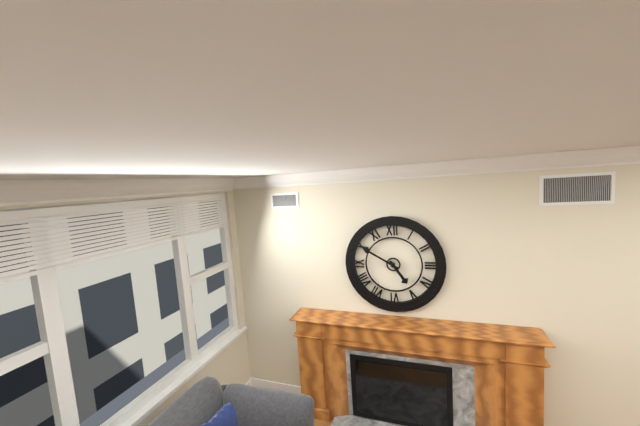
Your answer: 4.50
